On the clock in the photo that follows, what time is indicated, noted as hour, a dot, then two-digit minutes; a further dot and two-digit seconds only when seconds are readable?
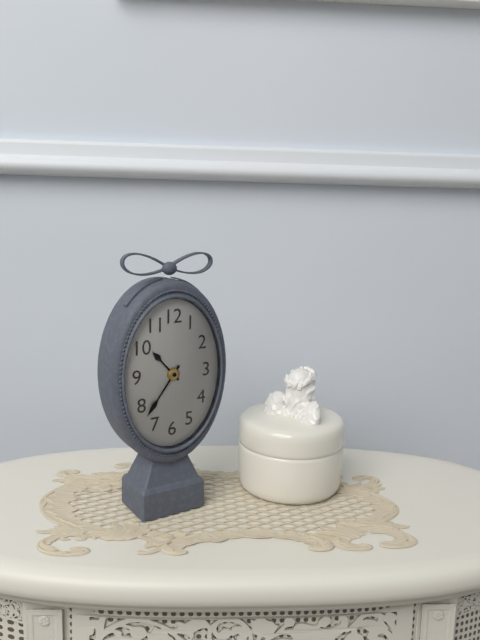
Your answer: 10.36
